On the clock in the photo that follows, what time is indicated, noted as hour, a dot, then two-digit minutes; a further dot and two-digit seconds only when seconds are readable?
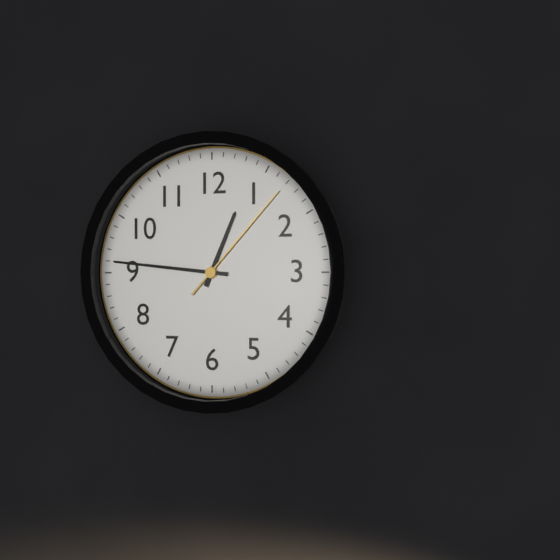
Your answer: 12.46.07
